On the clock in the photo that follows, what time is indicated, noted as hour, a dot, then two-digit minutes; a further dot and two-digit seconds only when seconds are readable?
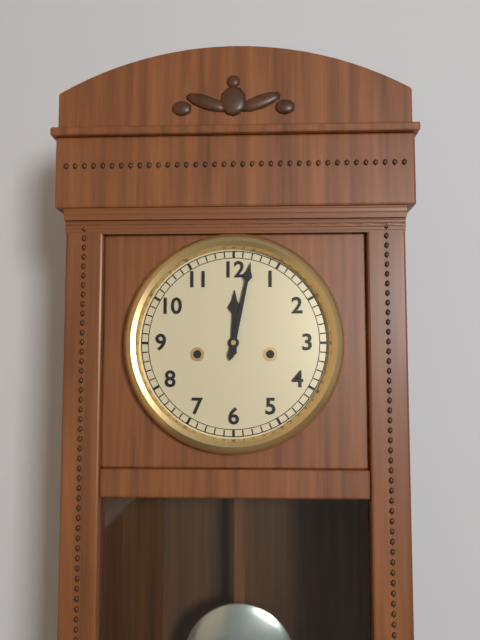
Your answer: 12.02
